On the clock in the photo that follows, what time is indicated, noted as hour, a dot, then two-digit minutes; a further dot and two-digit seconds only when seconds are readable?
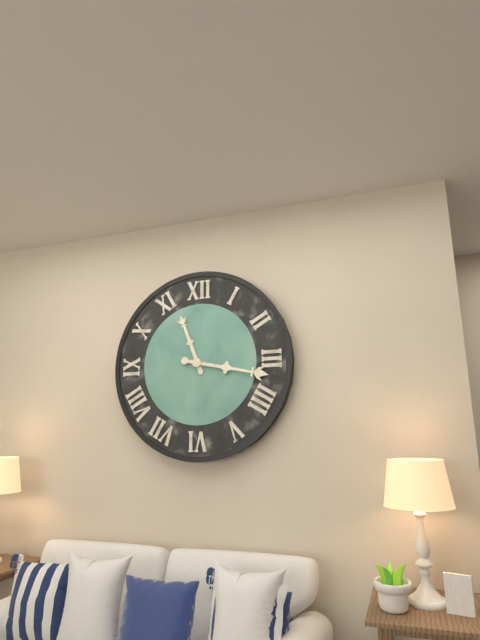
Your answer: 11.17
